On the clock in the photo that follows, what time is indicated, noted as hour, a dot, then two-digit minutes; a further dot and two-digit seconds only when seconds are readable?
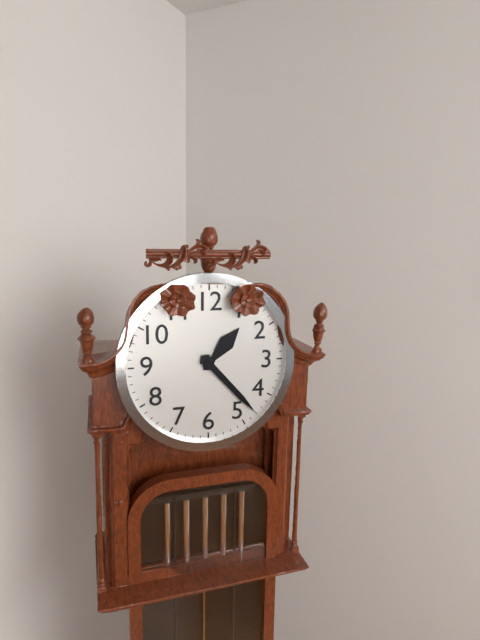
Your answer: 1.23
